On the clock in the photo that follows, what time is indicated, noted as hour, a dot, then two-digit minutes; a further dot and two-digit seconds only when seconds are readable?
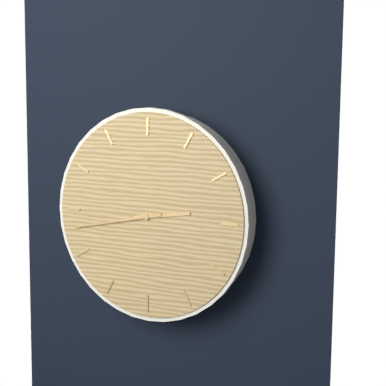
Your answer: 2.43
